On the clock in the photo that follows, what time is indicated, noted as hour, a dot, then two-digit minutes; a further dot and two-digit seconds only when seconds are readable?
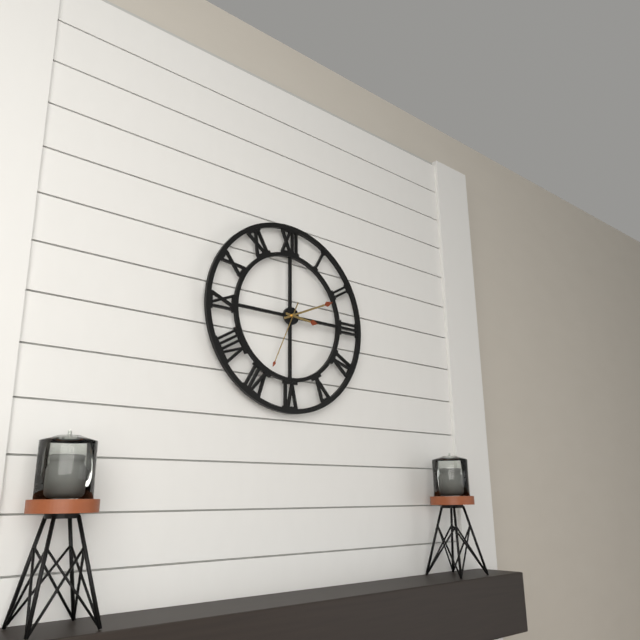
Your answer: 3.11.34
